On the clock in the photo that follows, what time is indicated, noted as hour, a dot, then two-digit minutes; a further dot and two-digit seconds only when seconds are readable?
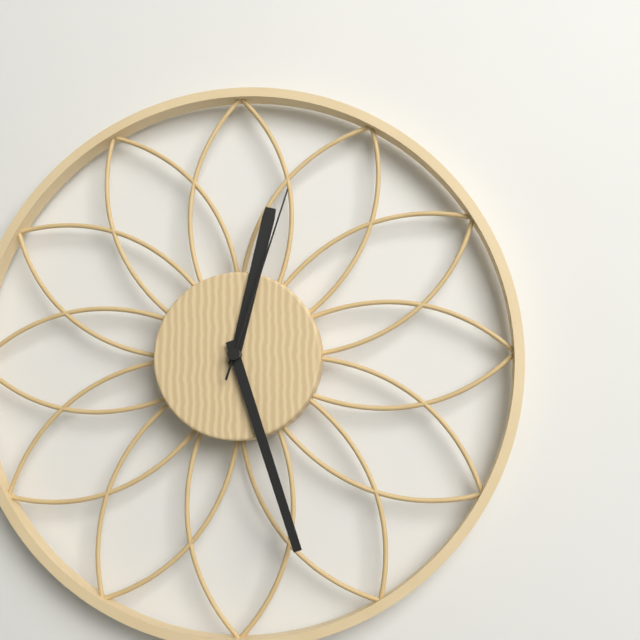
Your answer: 12.27.03
